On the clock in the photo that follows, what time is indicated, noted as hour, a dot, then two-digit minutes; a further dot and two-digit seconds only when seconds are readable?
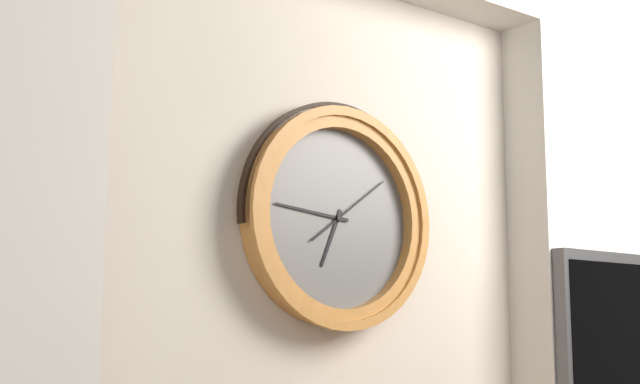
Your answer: 6.46.09
